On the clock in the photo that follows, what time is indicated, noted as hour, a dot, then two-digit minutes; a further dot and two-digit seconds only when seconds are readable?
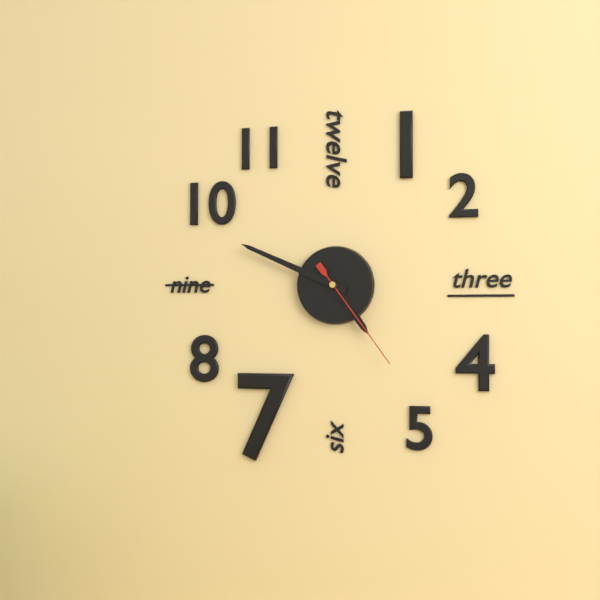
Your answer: 4.49.24
